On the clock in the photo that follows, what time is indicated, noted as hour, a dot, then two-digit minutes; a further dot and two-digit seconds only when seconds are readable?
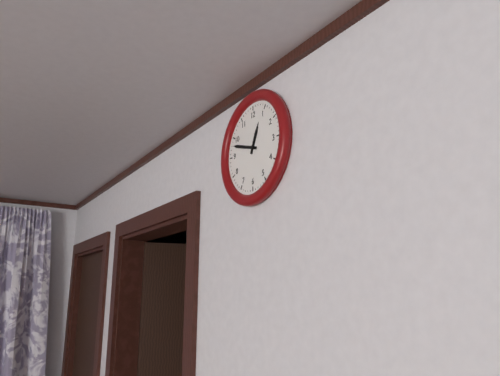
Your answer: 12.48
